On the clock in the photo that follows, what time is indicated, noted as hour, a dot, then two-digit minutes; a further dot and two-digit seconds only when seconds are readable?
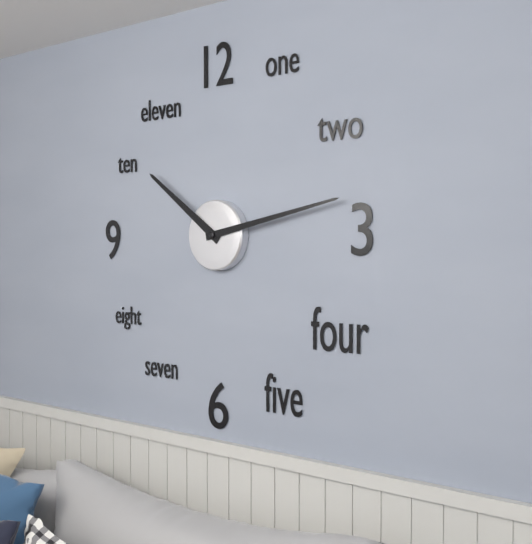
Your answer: 10.13
